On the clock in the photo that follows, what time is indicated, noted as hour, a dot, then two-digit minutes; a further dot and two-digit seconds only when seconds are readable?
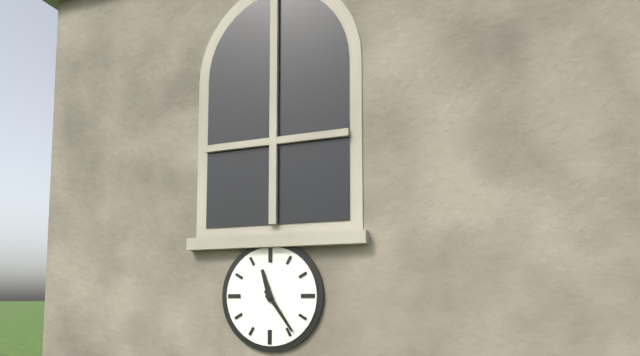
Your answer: 11.24
